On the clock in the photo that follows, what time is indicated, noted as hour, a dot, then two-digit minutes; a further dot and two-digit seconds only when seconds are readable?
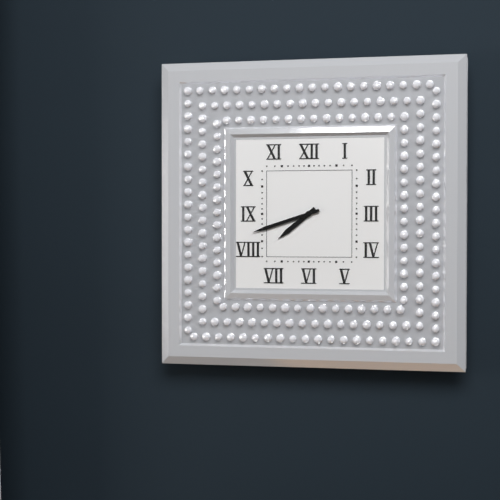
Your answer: 7.42
